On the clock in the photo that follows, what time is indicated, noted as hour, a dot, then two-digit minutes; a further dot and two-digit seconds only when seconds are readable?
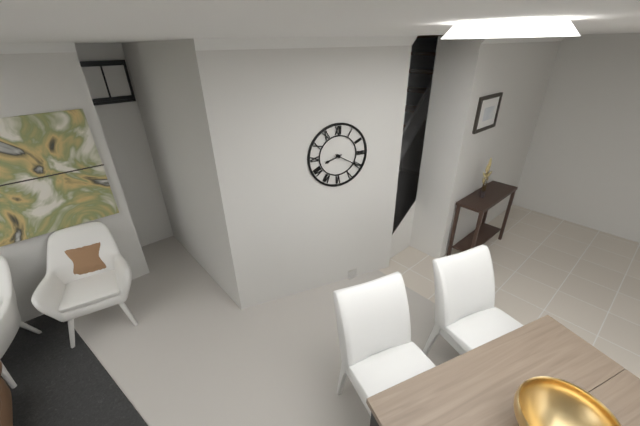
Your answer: 8.20
